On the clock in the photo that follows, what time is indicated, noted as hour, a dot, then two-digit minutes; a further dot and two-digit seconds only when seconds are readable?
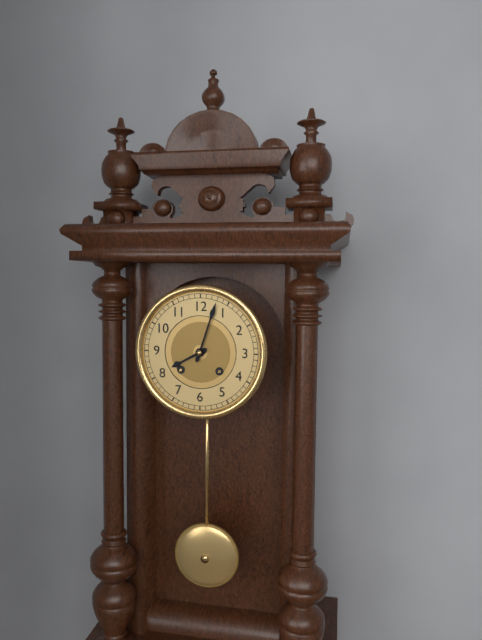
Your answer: 8.03
